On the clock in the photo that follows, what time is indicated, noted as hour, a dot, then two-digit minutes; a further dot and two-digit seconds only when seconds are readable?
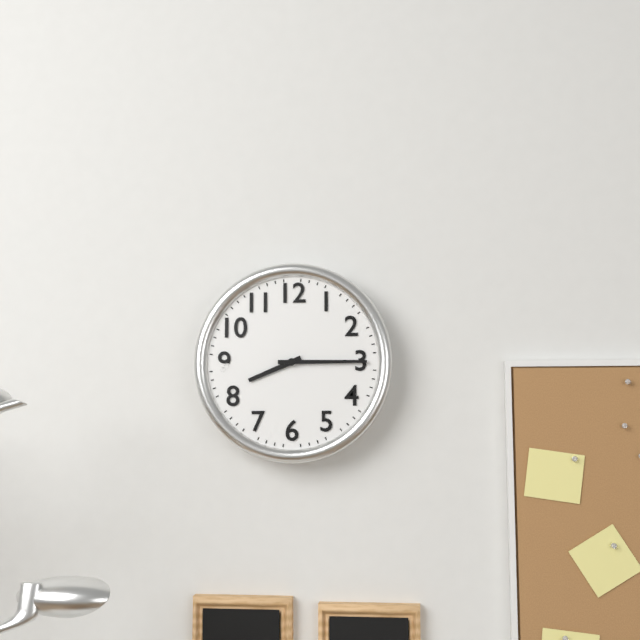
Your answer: 8.15
